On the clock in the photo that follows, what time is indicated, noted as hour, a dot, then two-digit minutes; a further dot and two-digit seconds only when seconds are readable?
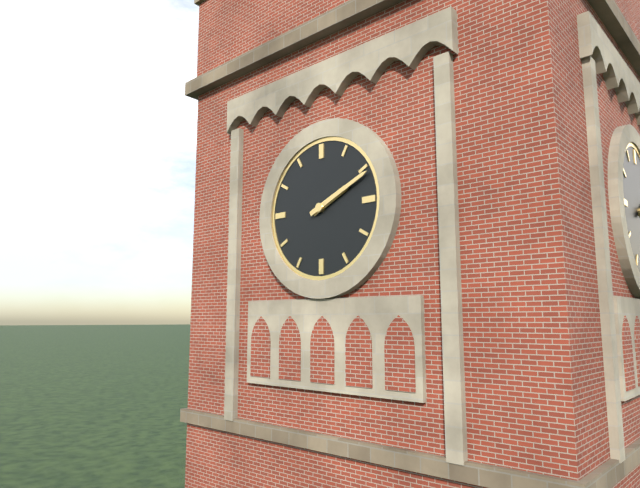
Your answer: 2.11
